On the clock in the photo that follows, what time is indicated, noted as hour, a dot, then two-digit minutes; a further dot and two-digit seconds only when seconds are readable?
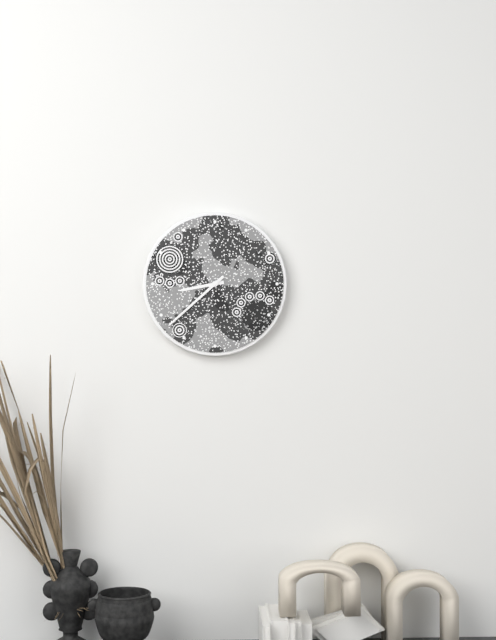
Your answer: 8.38
